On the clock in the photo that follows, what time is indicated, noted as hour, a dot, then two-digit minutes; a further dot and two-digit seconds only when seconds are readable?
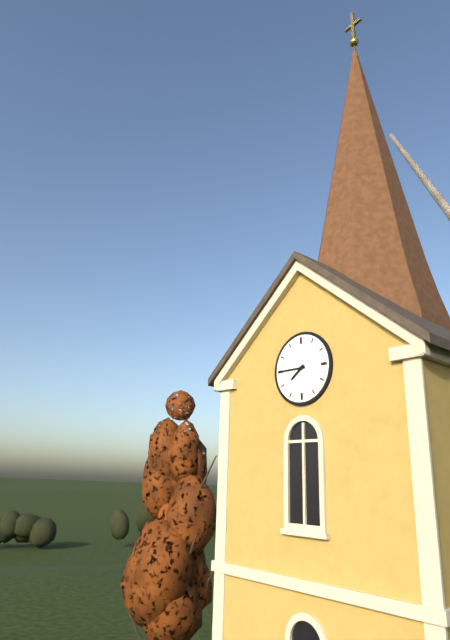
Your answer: 7.45
